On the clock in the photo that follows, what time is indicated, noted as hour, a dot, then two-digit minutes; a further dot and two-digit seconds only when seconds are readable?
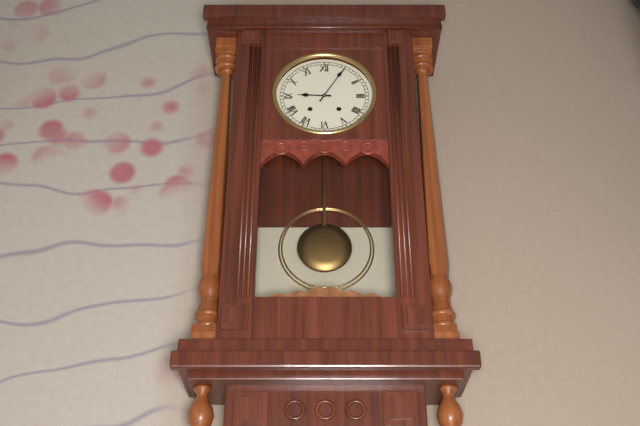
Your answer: 9.05
